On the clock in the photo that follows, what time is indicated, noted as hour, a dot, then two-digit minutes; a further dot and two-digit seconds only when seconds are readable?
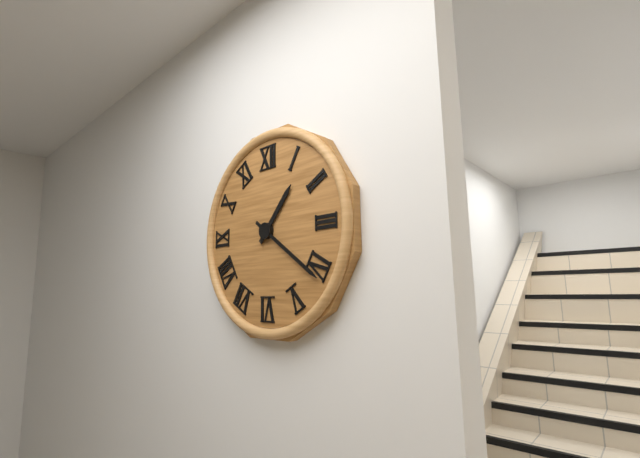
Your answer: 1.21
